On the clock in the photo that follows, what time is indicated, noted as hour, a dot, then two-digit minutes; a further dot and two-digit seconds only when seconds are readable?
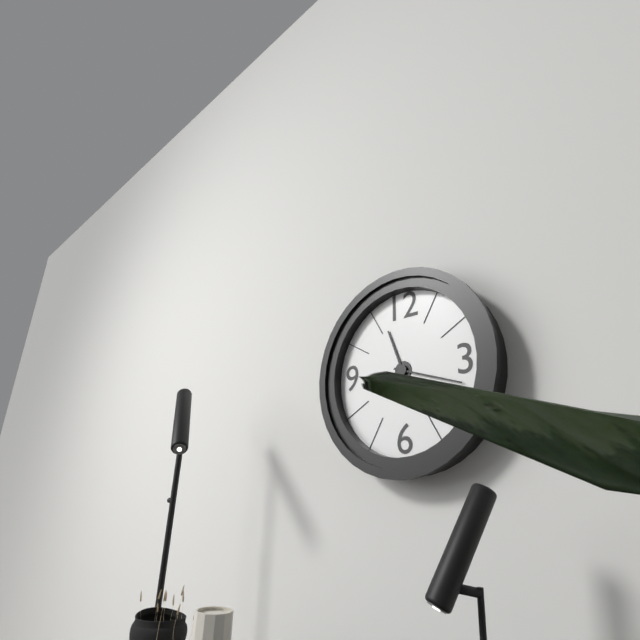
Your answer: 11.18
